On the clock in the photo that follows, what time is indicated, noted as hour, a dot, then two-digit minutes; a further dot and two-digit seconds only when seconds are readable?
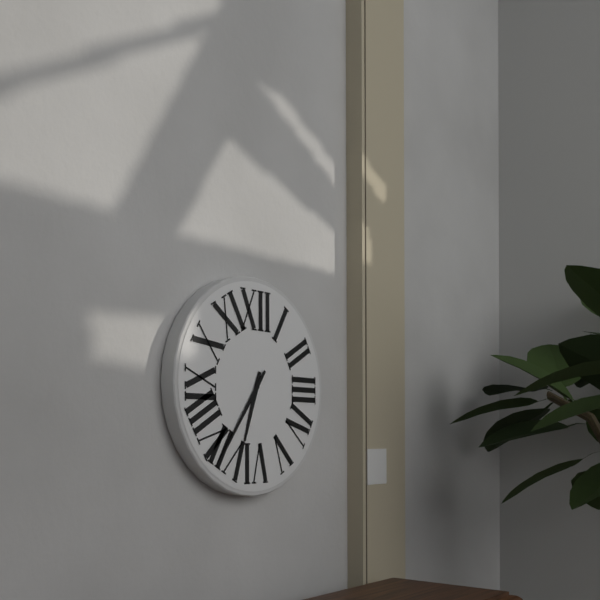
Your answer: 6.36
